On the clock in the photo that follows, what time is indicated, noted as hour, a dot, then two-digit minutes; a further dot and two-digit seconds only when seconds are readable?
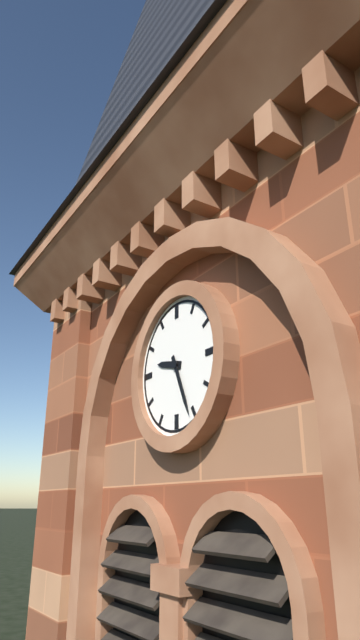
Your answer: 9.26
